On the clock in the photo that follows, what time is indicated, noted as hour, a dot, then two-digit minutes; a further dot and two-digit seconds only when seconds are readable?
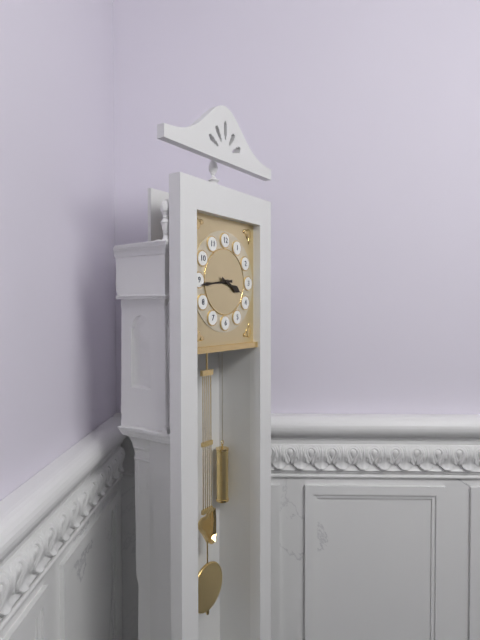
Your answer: 3.44
